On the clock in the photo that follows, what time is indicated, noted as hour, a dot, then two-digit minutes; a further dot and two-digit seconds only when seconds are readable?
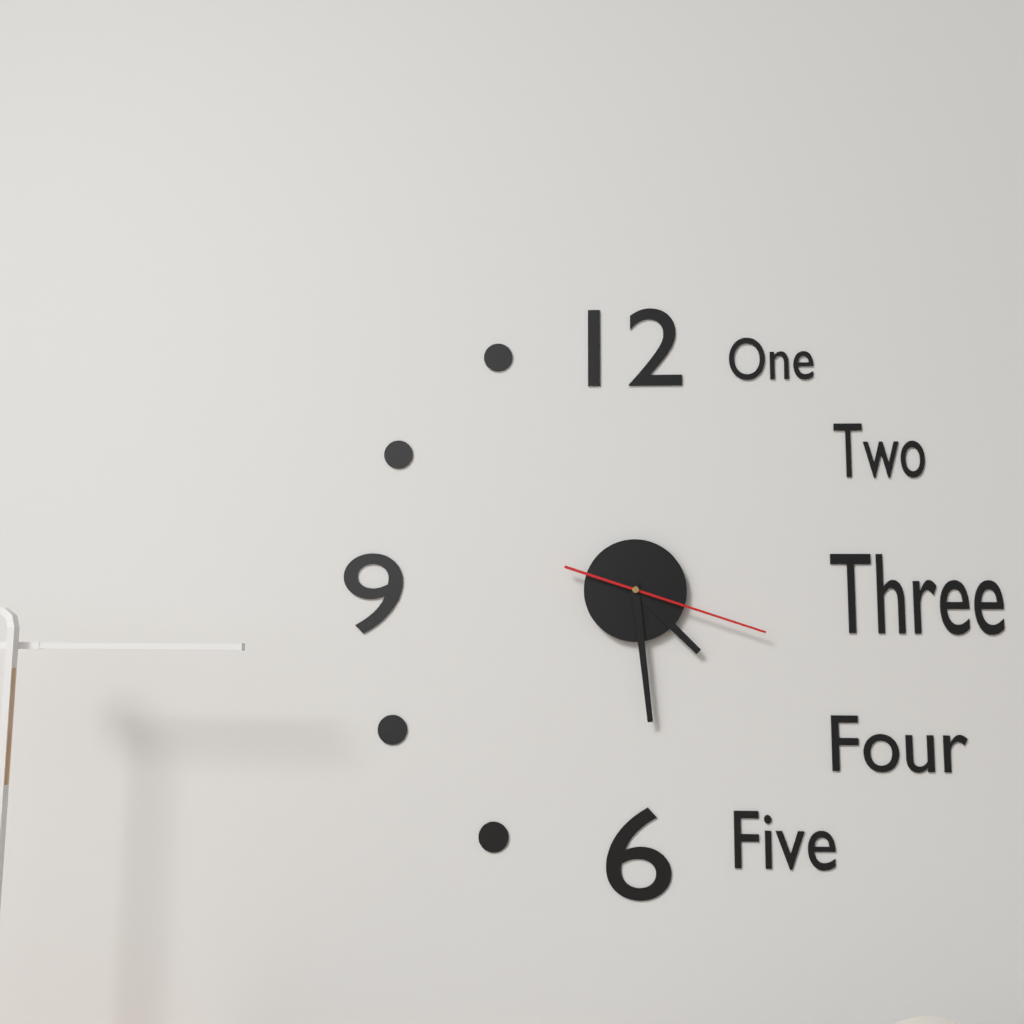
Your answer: 4.29.18
